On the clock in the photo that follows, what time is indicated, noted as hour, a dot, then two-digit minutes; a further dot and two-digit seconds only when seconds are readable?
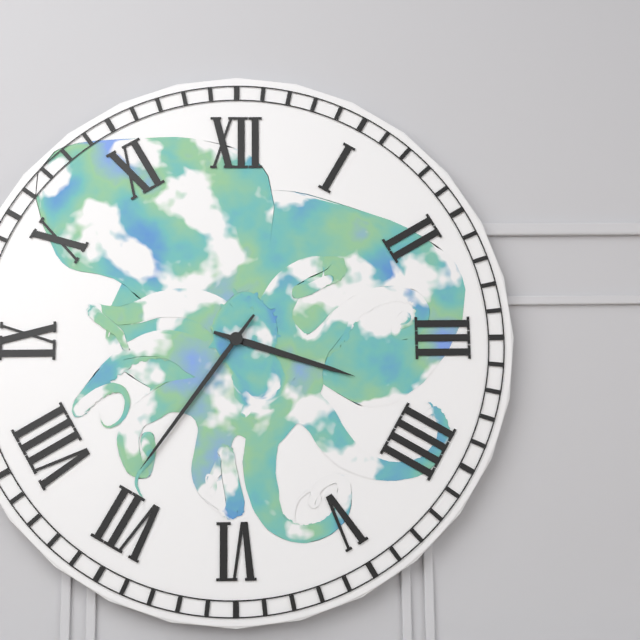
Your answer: 3.36
